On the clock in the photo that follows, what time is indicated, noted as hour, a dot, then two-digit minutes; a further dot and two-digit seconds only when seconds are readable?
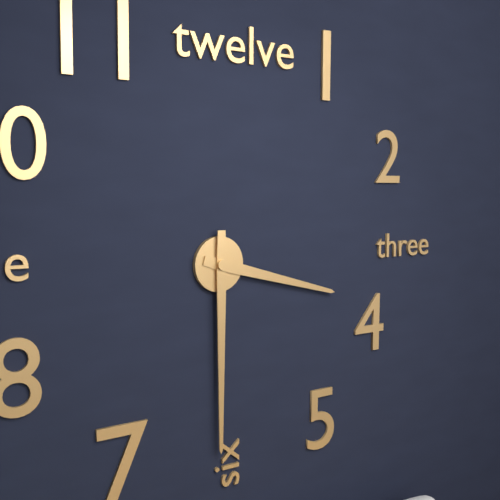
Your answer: 3.30
